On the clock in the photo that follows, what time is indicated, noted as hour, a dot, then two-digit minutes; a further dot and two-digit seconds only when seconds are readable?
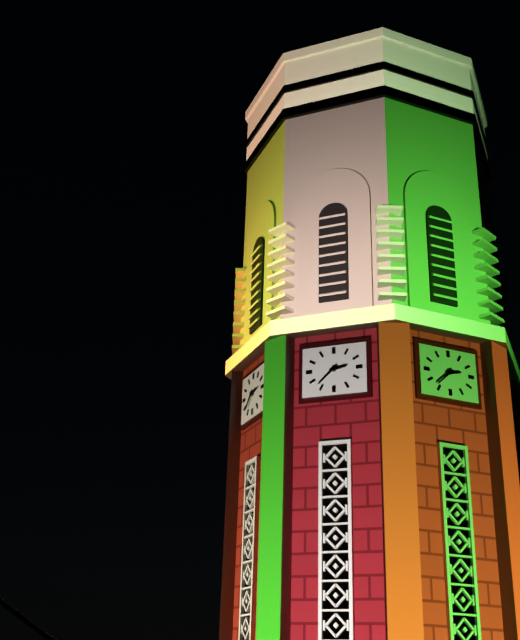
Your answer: 2.38
